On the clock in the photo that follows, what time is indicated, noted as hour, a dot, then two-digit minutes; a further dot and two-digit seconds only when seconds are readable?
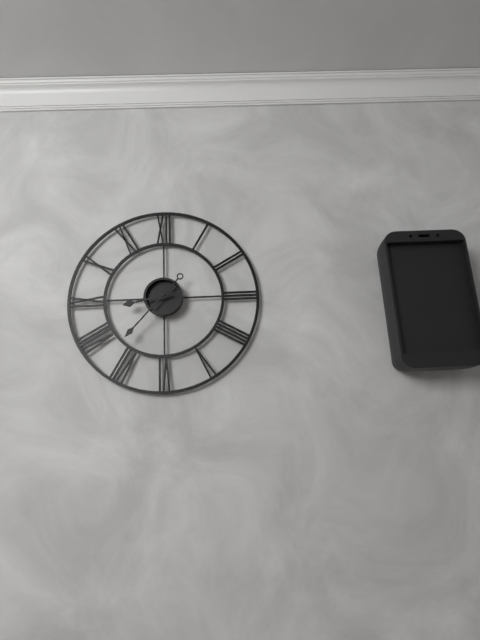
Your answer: 8.37
